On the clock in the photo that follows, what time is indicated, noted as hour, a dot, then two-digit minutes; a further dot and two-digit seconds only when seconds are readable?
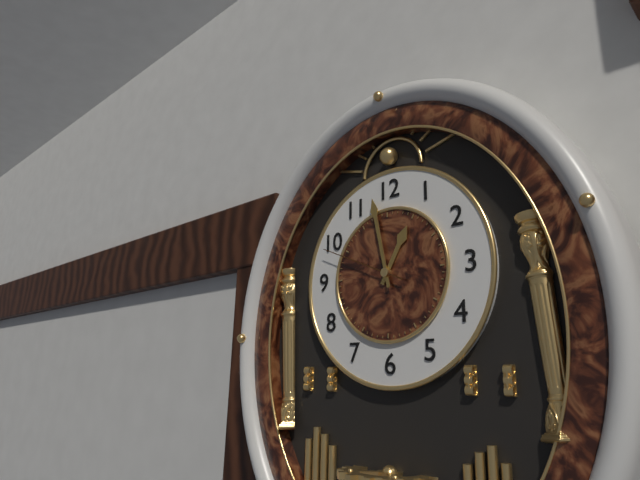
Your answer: 12.58.49
